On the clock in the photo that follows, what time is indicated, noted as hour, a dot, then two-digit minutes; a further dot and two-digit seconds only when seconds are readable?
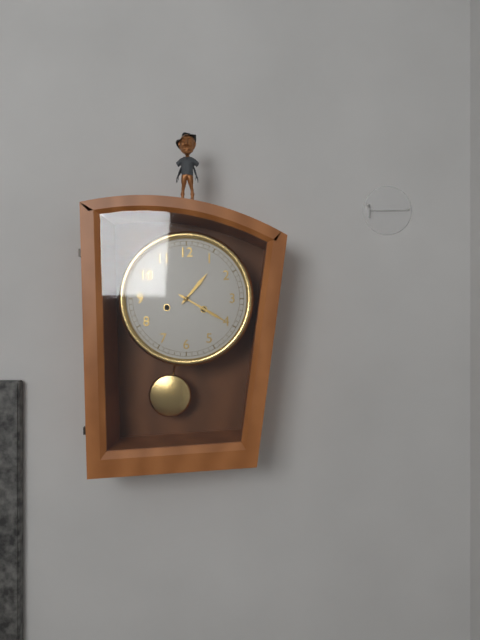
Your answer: 1.20
